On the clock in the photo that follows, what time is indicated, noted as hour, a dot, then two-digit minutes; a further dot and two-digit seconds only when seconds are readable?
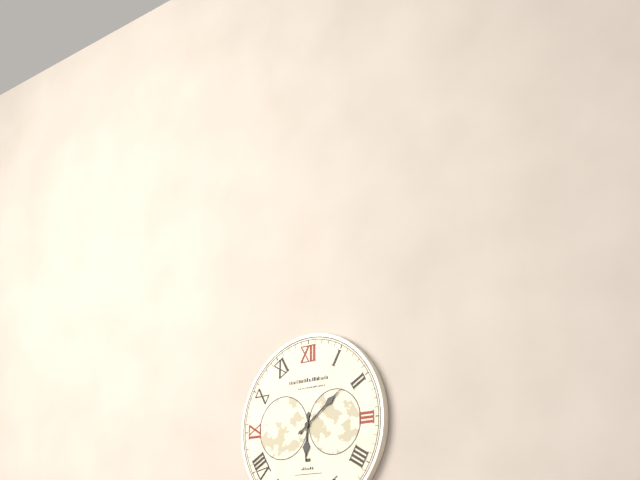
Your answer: 6.09
